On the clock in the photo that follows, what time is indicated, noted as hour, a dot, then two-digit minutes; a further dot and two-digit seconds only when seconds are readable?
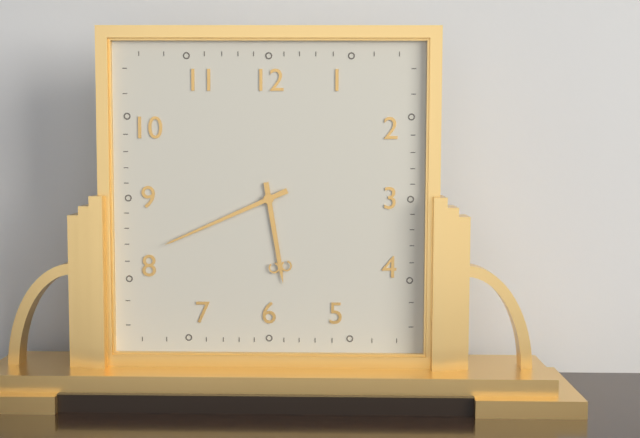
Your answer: 5.41
